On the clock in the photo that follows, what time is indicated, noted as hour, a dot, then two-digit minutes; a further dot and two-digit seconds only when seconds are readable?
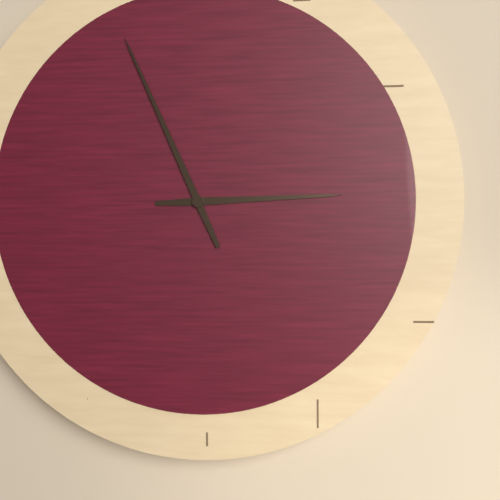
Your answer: 2.56
